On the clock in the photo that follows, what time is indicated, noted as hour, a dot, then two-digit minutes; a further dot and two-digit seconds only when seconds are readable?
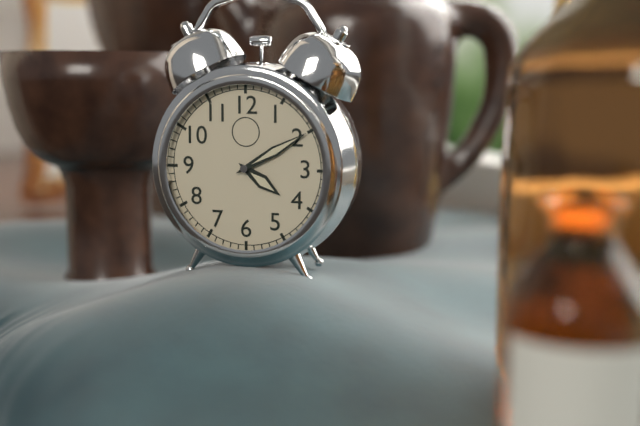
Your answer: 4.10
